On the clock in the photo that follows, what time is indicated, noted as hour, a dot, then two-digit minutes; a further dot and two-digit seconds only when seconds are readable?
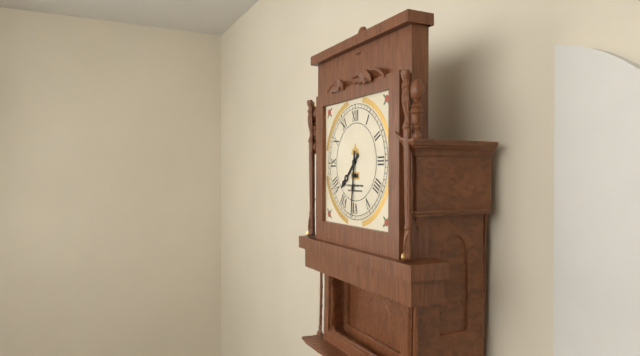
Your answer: 7.31
